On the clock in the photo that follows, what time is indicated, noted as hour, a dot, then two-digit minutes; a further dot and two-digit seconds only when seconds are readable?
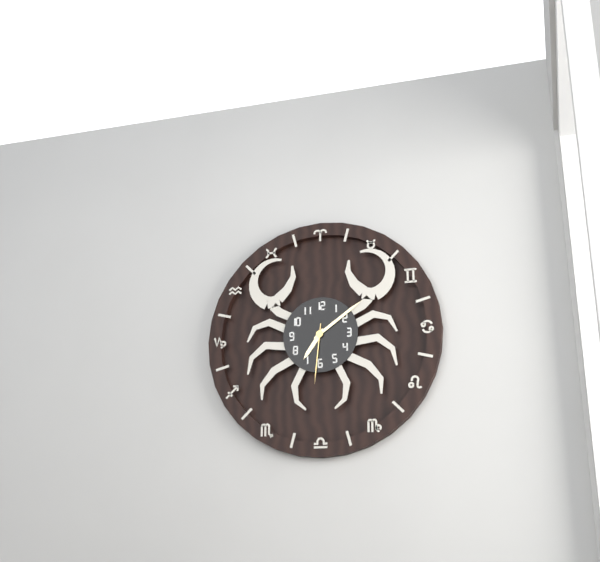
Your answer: 7.09.31
